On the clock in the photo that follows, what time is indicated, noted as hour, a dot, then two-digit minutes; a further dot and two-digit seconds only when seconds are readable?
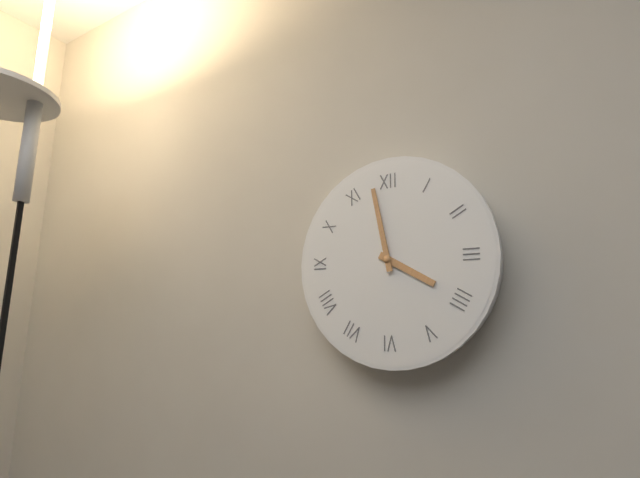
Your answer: 3.58
